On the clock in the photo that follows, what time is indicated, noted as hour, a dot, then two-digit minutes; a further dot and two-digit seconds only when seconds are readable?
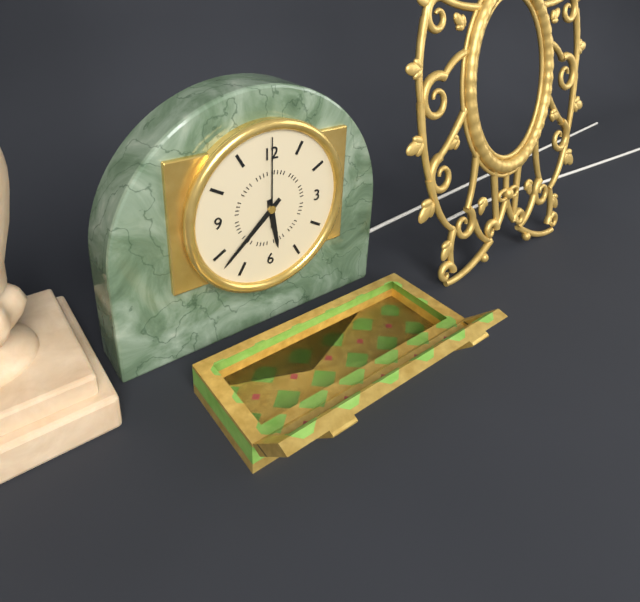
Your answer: 5.38.00
